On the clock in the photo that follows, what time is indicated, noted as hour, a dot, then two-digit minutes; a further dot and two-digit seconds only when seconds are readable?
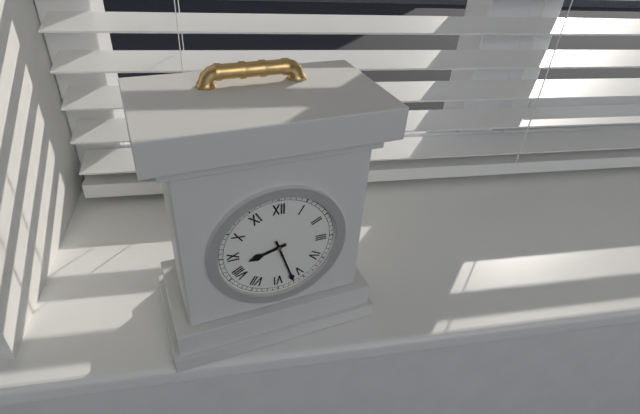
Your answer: 8.27
